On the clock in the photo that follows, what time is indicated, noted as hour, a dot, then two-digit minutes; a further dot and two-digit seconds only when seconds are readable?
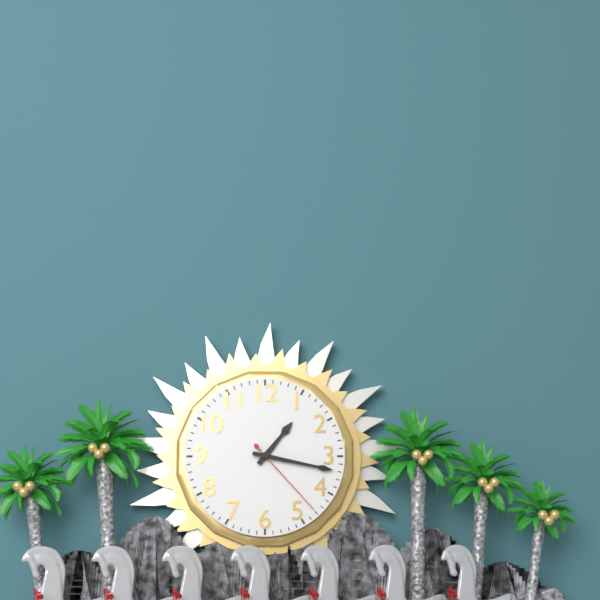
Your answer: 1.17.23
